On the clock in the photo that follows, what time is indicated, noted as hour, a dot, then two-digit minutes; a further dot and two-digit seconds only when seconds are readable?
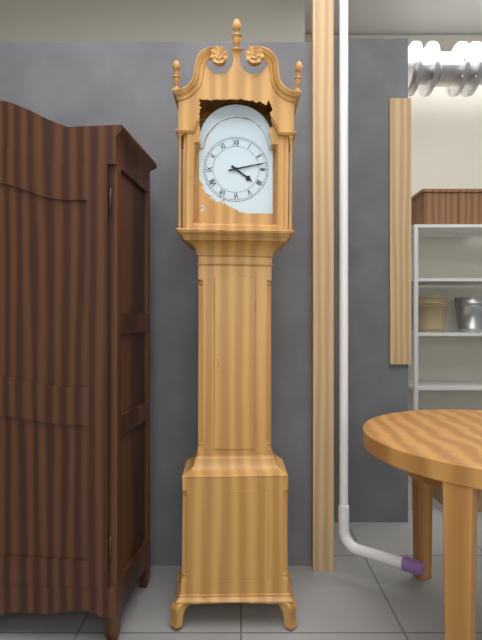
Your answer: 4.13
